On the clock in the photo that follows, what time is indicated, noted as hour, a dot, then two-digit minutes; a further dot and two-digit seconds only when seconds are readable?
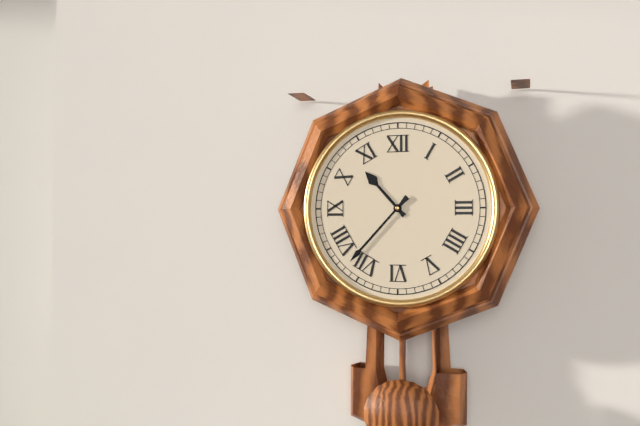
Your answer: 10.37
